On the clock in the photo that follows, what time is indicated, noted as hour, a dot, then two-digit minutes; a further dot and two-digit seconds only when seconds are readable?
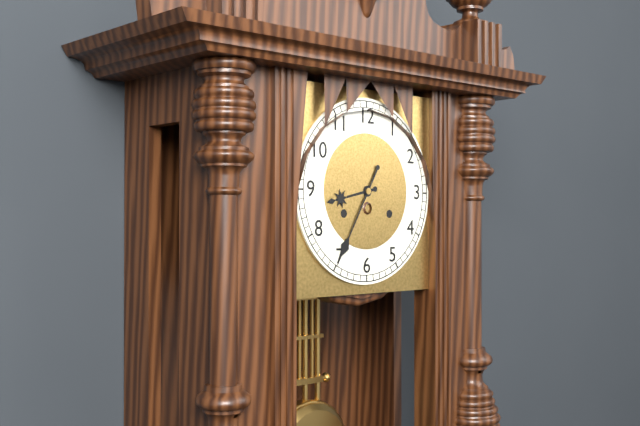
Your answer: 8.35
